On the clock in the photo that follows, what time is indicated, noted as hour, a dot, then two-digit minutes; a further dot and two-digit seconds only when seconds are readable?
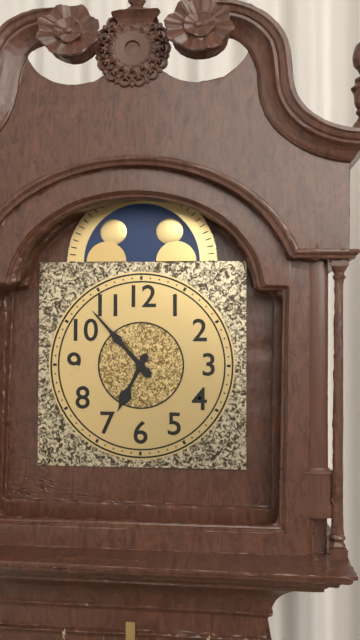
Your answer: 6.53
